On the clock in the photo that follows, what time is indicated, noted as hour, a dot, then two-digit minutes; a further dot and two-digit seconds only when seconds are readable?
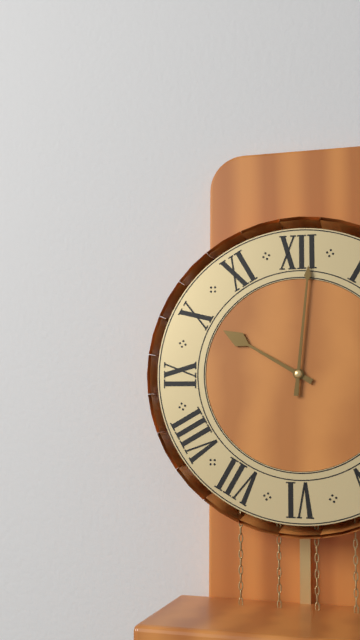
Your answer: 10.01
